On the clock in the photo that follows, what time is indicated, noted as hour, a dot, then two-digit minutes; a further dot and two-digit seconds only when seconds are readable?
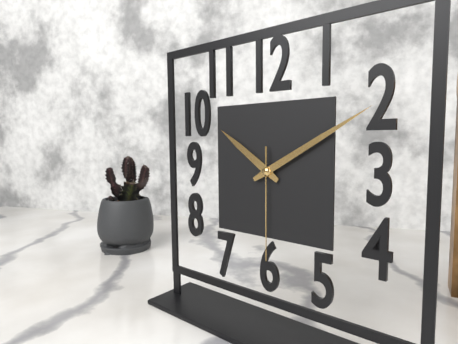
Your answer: 10.10.30
